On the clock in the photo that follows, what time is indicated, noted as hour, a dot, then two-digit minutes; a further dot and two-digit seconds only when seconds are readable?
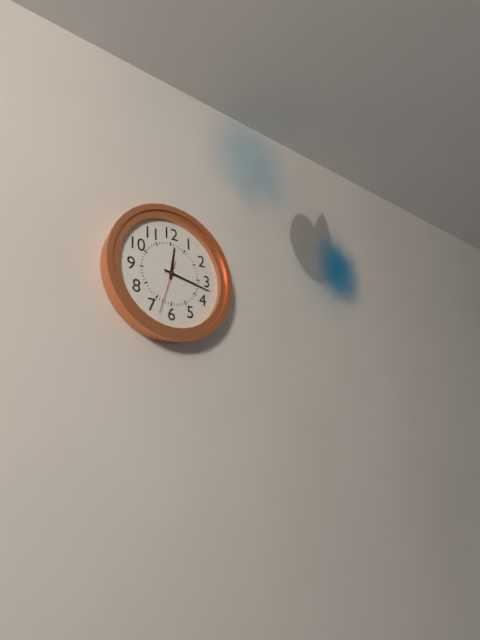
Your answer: 12.17.33
